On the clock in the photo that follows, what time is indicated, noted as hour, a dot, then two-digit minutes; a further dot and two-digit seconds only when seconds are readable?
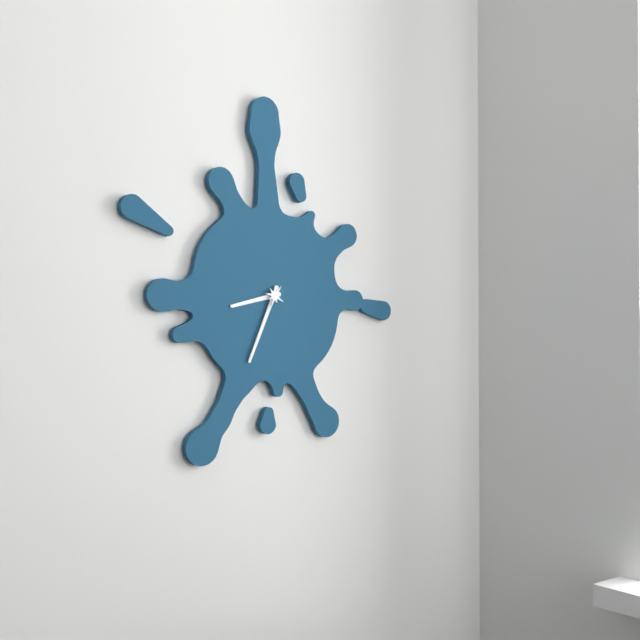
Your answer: 8.34
